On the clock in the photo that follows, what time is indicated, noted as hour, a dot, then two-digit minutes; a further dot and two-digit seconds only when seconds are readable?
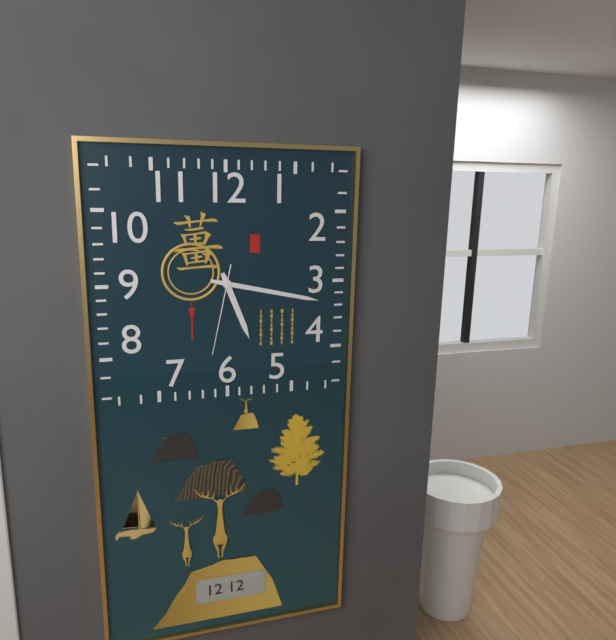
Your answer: 5.17.32
